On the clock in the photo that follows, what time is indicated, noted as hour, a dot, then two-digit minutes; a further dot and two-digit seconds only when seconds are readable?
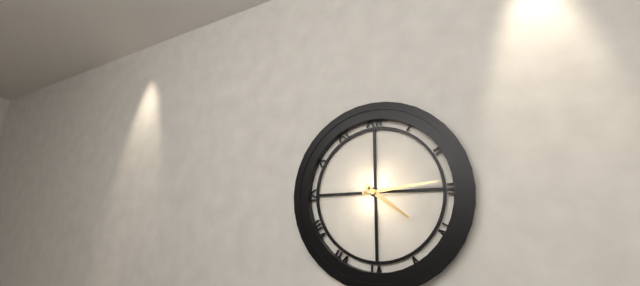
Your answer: 4.14
